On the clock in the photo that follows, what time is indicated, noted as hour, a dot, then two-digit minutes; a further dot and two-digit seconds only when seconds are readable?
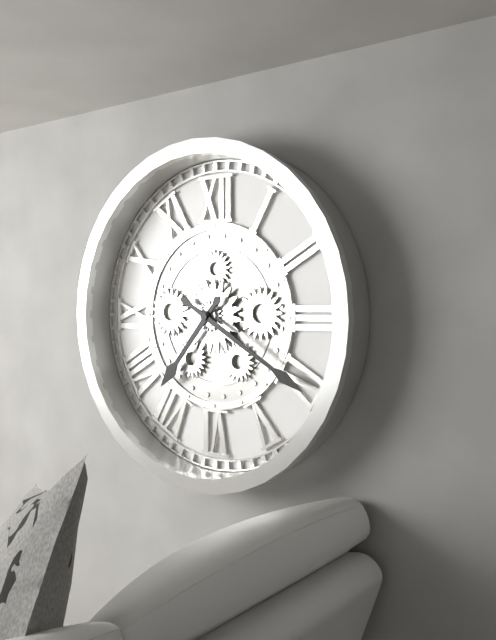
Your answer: 7.20
